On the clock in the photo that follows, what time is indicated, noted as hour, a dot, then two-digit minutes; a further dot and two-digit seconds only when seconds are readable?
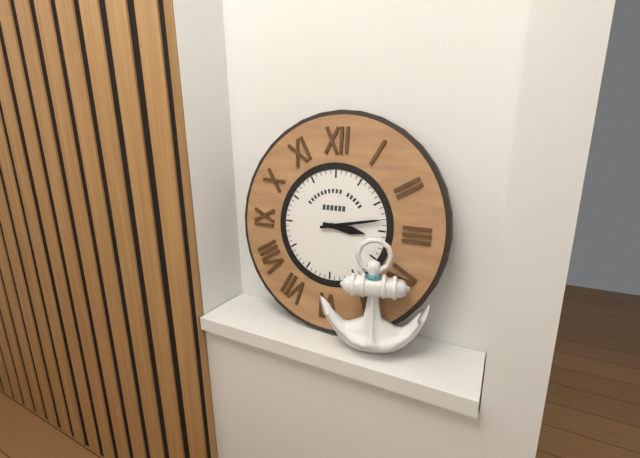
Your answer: 3.13
